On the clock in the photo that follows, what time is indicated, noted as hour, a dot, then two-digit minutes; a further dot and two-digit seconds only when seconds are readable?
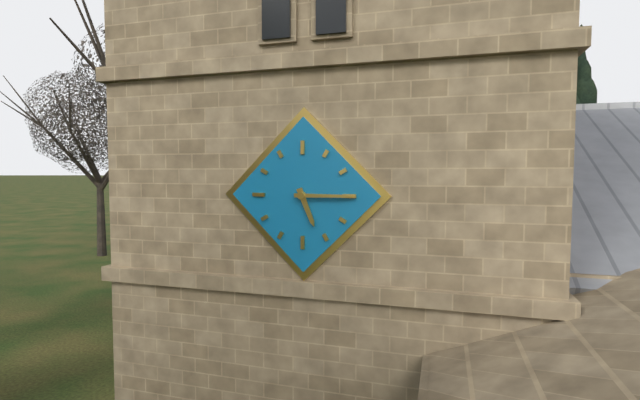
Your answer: 5.15
